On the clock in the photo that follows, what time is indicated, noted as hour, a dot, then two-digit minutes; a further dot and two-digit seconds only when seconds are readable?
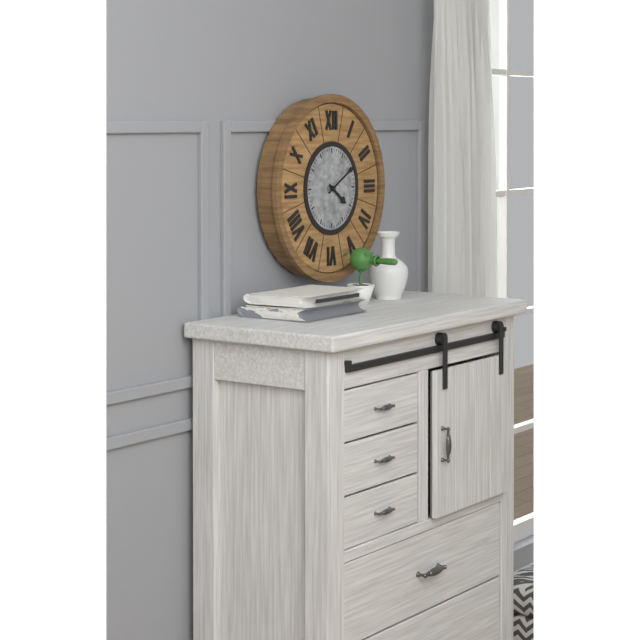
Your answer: 4.10
